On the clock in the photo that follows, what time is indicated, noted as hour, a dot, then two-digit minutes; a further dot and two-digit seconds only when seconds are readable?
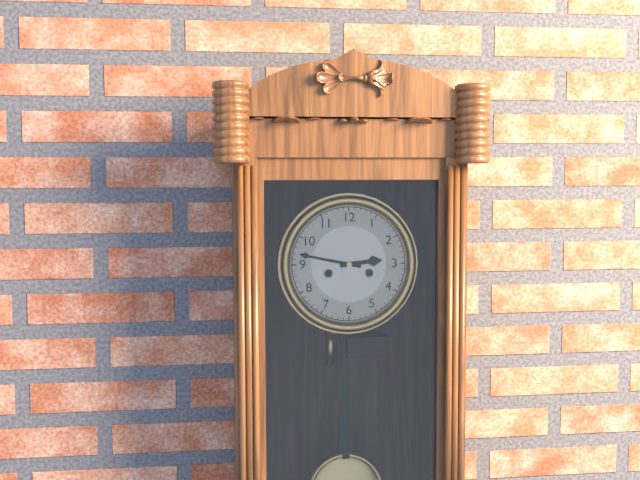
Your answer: 2.47
